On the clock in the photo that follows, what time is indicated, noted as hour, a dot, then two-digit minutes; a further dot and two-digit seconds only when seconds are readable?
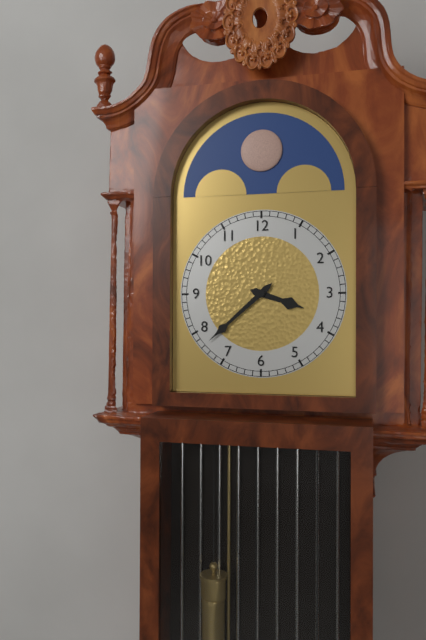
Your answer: 3.38
